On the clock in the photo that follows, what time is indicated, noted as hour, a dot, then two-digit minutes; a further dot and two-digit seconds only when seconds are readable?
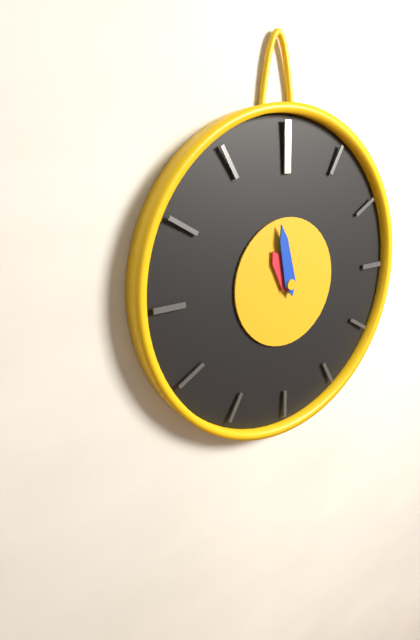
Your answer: 10.58
